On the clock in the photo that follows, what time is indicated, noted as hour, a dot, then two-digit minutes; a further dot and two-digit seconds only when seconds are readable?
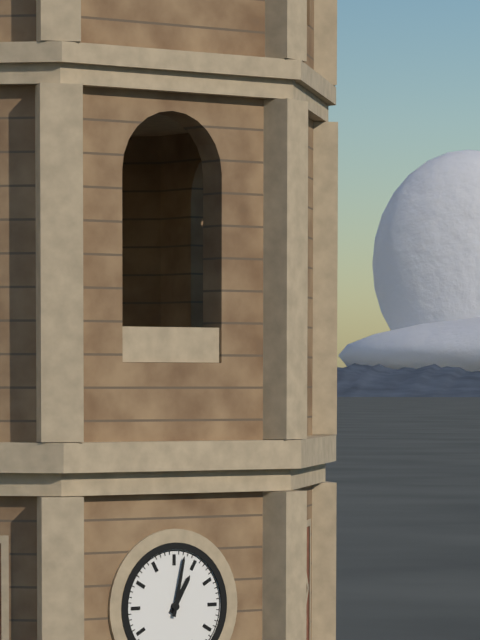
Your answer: 1.02
